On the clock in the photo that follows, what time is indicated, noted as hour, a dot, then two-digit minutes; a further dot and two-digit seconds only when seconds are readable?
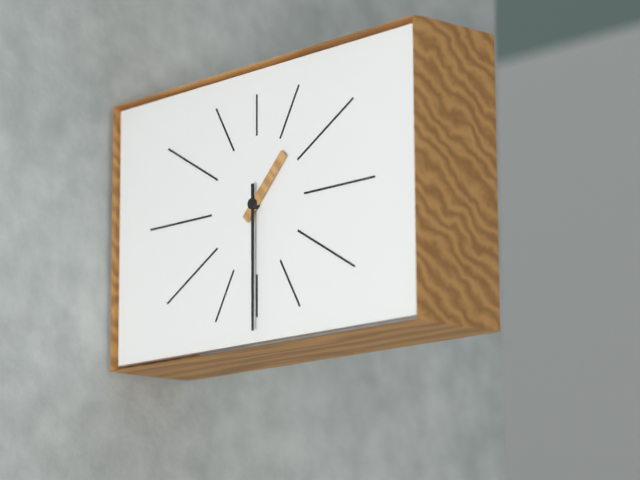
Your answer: 1.30
